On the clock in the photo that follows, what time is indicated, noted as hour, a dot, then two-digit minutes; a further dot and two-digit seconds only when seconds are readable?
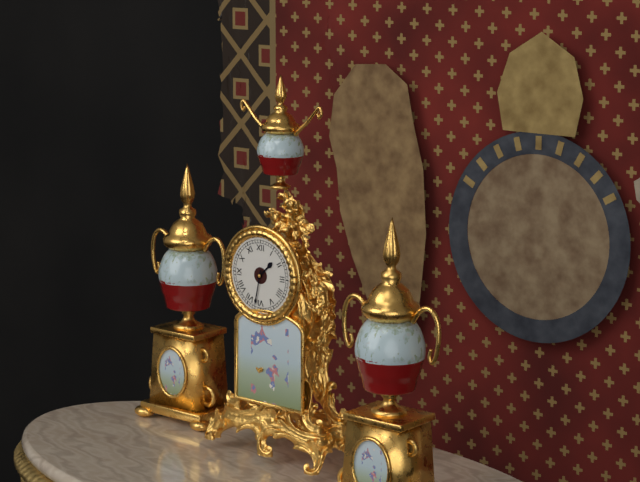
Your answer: 1.32
